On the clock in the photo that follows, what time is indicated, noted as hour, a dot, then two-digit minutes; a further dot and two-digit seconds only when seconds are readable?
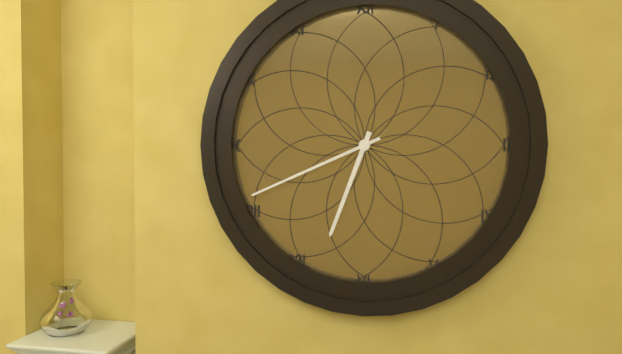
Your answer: 6.41
